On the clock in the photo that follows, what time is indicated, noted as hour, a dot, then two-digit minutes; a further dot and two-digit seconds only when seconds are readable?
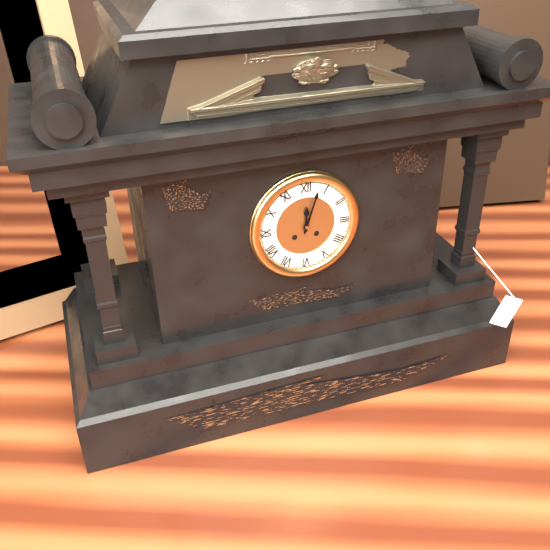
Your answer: 12.03
